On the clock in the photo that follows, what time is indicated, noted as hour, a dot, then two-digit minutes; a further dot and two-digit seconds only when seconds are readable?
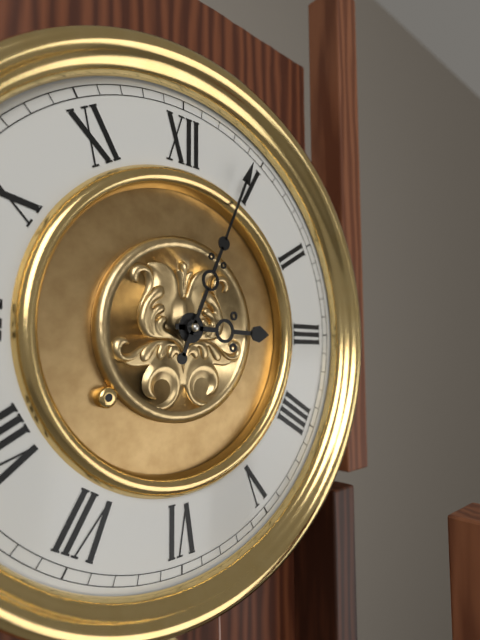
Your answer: 3.04
